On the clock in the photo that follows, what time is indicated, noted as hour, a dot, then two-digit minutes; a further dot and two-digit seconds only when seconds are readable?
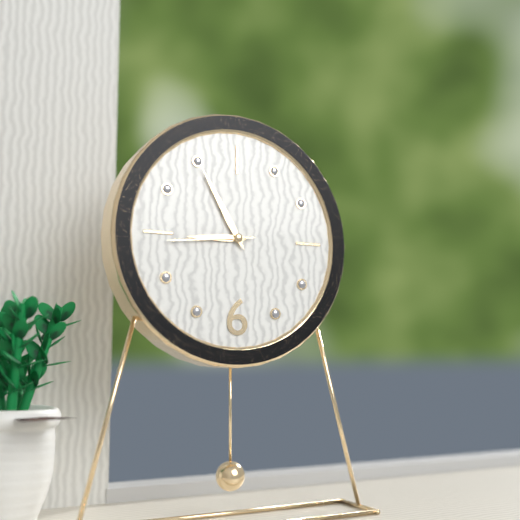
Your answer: 8.55.44
